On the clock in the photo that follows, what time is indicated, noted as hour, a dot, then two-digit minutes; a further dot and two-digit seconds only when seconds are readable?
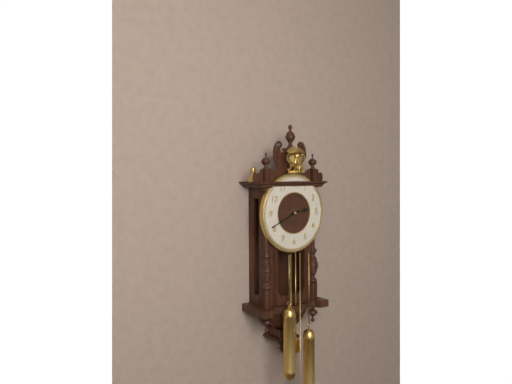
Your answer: 2.41
